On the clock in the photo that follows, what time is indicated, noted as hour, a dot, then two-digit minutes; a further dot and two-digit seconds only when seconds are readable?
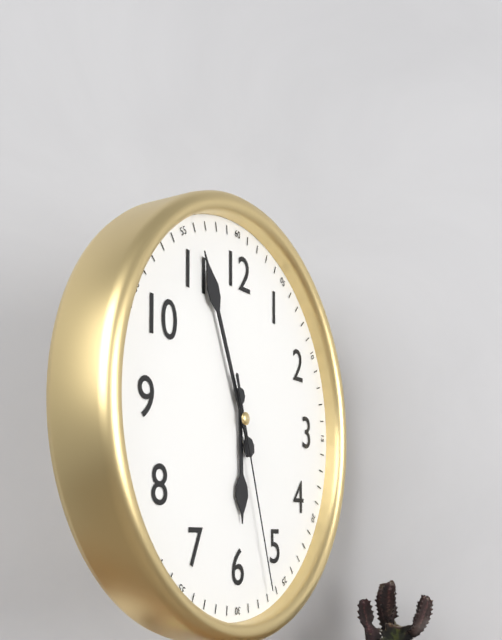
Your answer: 5.56.27
